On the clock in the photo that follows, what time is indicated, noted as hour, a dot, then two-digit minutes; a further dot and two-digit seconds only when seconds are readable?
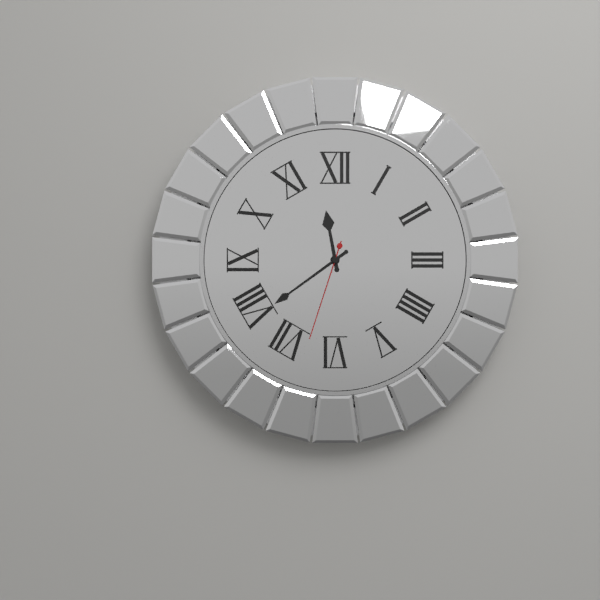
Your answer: 11.39.33
